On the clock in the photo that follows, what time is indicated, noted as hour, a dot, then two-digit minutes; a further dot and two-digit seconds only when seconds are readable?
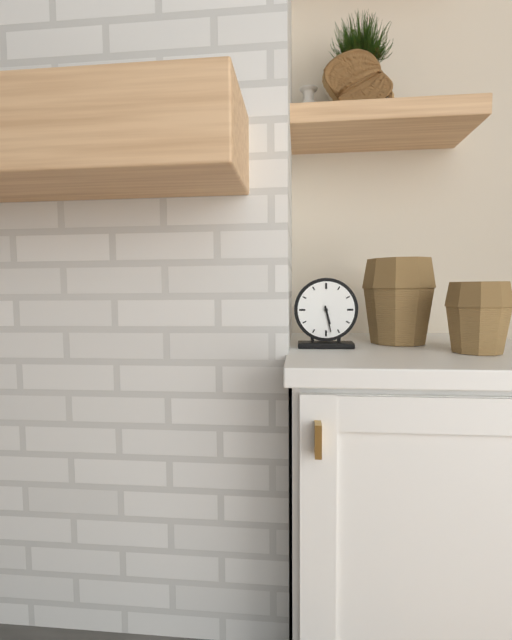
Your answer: 5.28
